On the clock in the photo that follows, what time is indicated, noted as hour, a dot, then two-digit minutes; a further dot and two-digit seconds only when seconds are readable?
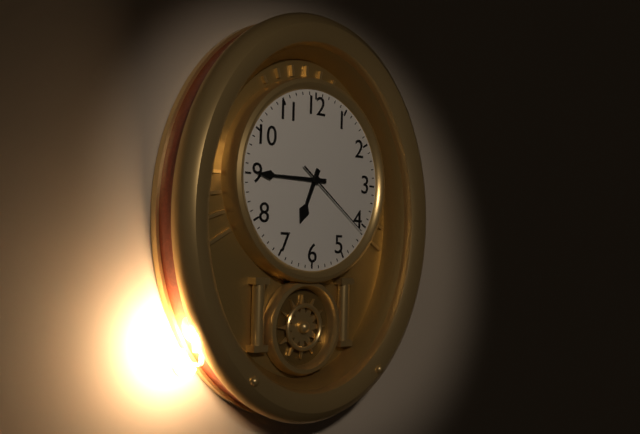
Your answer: 6.45.21
